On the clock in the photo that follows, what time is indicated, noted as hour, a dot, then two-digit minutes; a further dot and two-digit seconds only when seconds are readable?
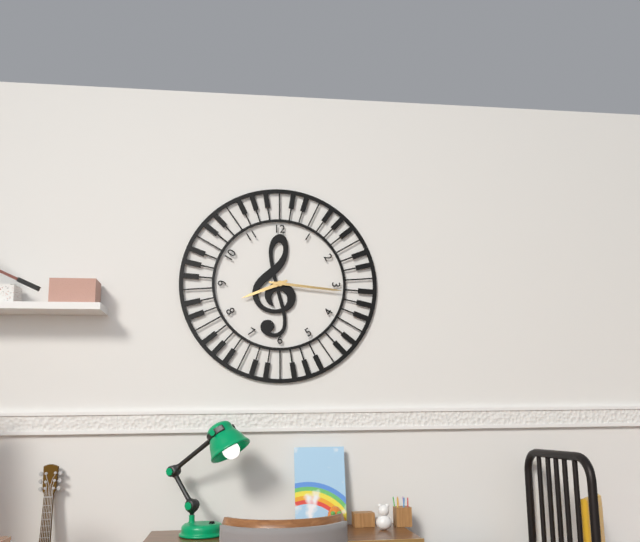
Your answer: 8.16
